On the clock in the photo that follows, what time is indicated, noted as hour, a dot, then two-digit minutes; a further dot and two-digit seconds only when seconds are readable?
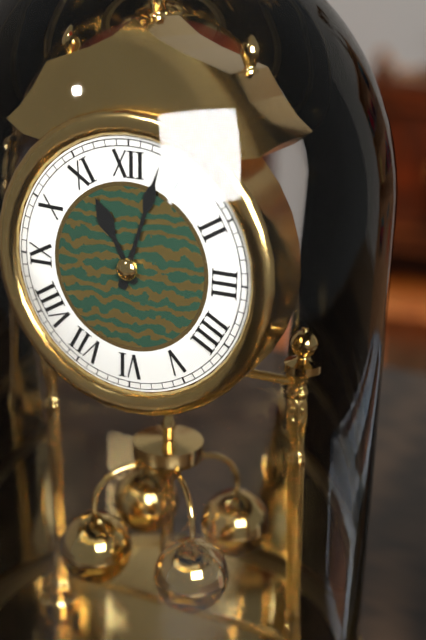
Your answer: 11.03
